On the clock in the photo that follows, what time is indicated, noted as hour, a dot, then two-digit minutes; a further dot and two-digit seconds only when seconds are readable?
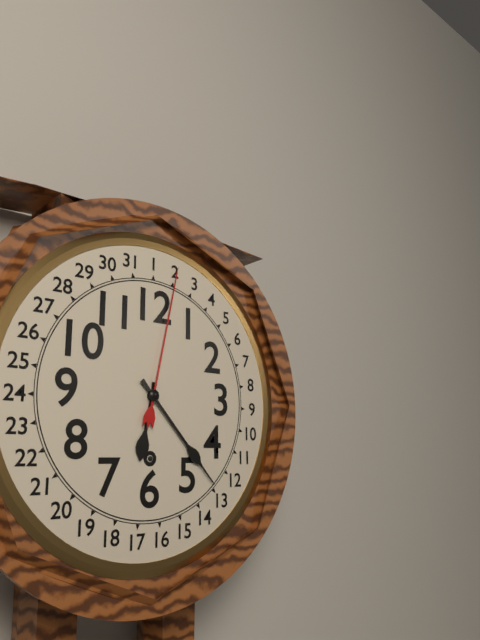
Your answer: 6.23
